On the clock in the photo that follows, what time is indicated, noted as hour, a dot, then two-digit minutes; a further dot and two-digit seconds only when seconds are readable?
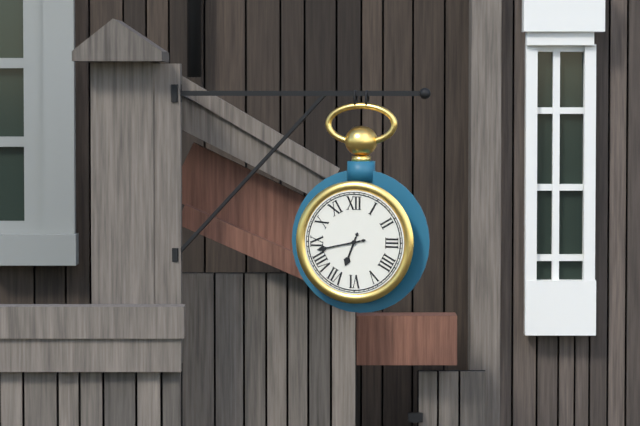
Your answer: 6.43
